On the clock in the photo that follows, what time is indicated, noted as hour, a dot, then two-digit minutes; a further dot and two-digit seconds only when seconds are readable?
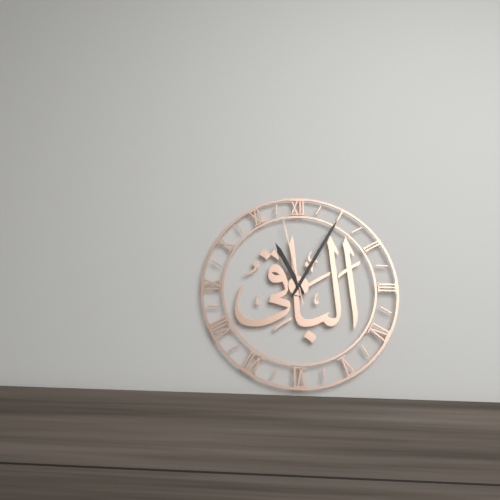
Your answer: 11.05.58
